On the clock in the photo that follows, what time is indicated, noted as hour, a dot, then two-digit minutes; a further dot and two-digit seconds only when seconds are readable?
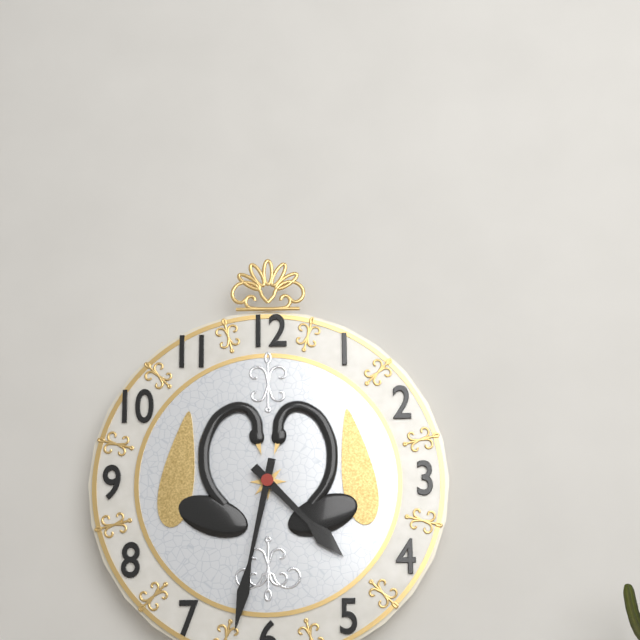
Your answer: 4.32
